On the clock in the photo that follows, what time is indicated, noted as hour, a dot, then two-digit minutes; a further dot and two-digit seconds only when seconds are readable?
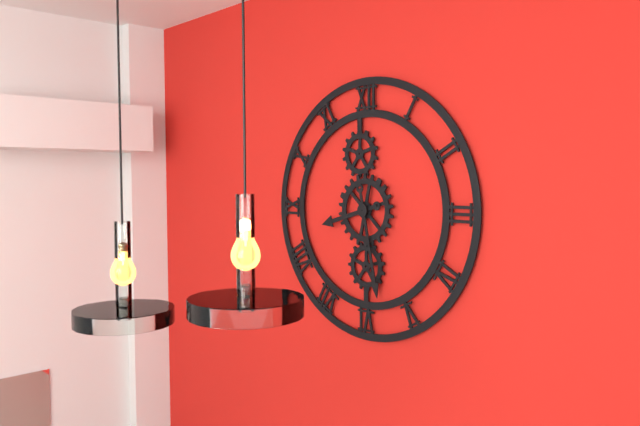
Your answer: 8.28
